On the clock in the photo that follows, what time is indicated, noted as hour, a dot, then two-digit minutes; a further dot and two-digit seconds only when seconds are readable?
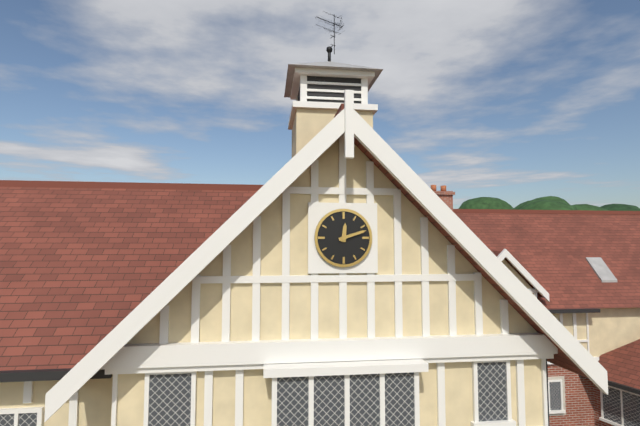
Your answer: 12.12
